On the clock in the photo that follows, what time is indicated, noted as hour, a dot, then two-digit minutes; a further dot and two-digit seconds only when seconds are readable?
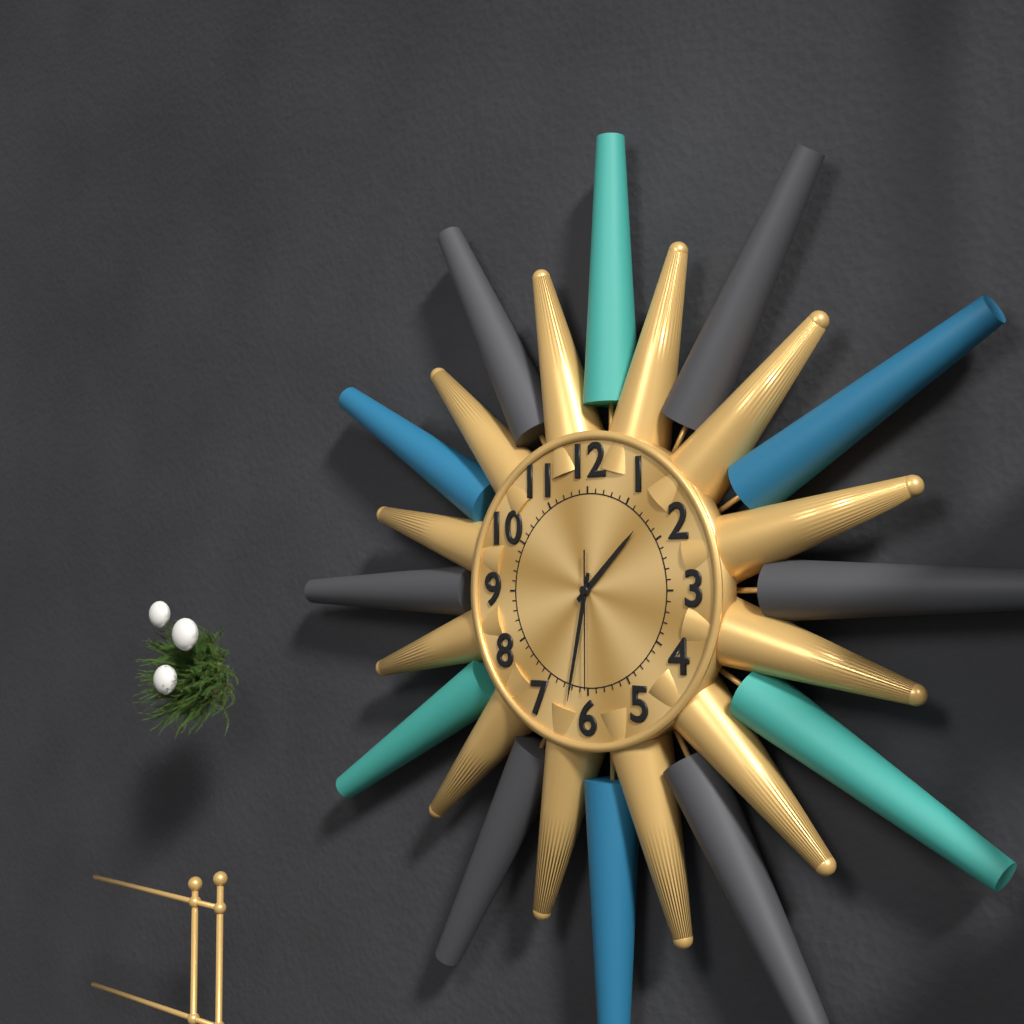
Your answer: 1.32.30
